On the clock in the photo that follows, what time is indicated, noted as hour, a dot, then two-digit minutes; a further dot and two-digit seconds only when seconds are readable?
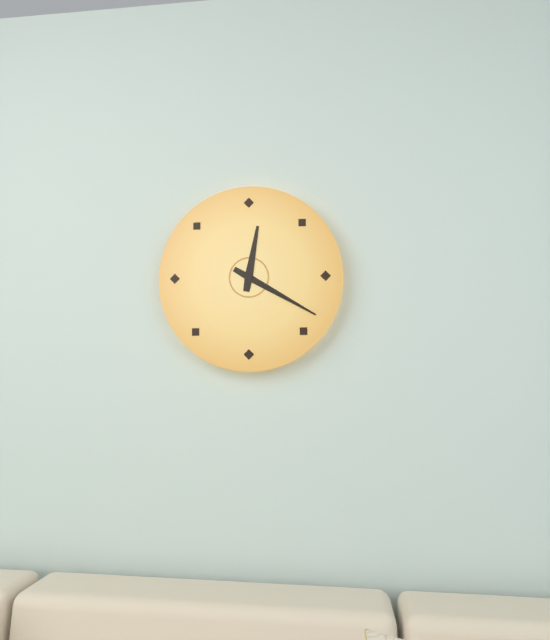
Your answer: 12.20
